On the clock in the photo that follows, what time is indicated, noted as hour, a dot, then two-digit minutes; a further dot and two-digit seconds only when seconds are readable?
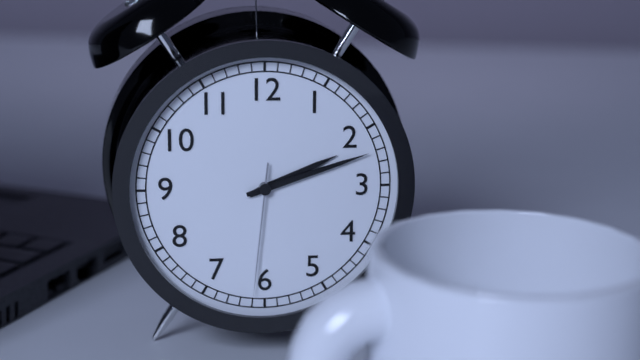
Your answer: 2.12.31
